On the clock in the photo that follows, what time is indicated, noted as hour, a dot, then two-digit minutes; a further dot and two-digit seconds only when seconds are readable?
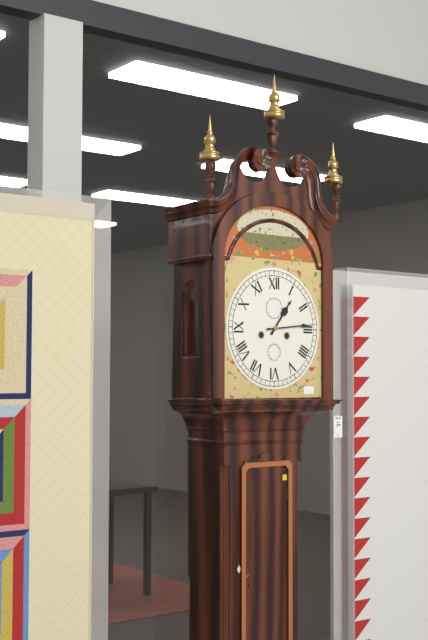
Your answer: 1.14
